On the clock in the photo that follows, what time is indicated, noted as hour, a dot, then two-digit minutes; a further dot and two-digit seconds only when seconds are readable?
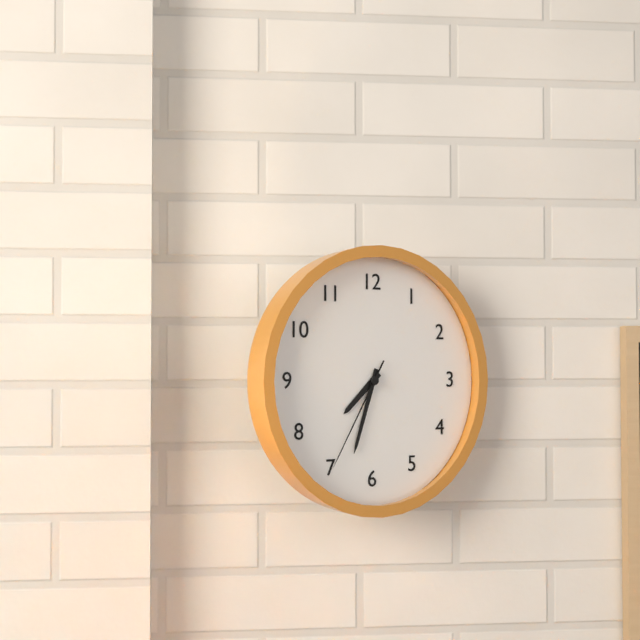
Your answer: 7.33.35
